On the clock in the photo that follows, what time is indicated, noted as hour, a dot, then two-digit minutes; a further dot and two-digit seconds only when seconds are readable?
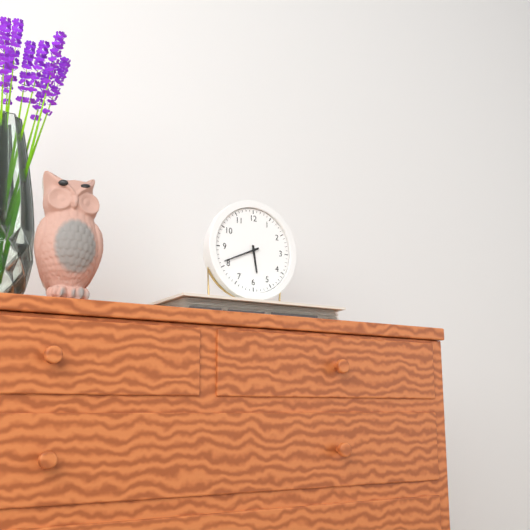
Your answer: 5.41
